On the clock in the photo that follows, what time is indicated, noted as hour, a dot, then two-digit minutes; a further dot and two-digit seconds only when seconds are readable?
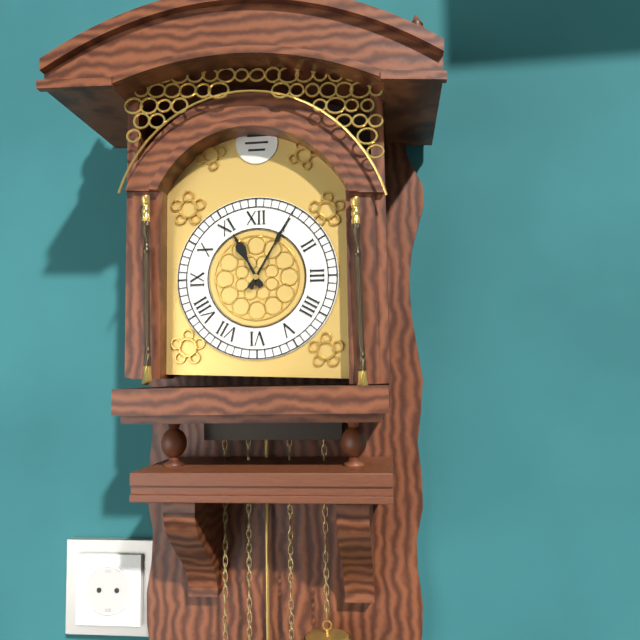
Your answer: 11.05
